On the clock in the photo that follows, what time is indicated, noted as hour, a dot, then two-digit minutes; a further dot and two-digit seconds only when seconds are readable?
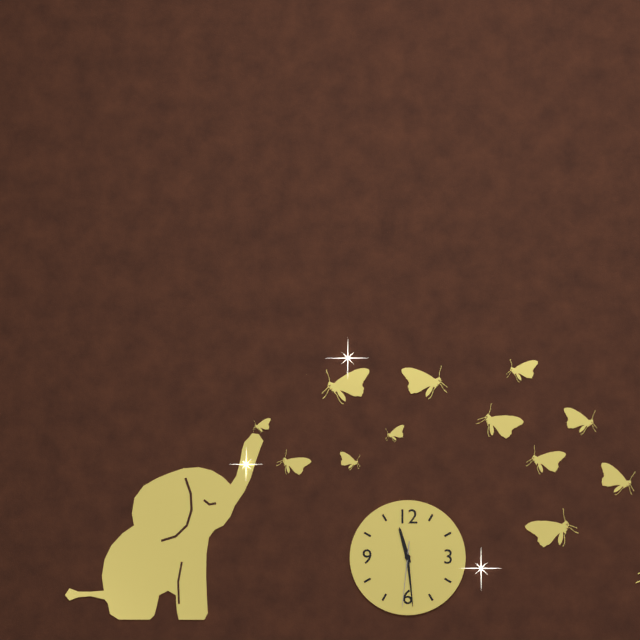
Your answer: 11.29.31
